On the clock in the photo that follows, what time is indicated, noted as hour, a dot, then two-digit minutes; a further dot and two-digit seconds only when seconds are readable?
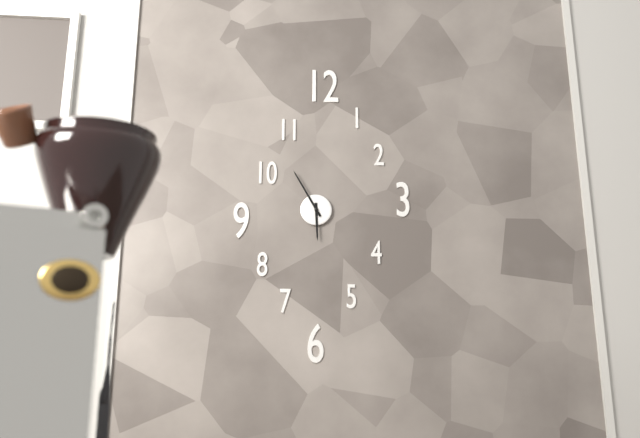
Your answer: 5.55
